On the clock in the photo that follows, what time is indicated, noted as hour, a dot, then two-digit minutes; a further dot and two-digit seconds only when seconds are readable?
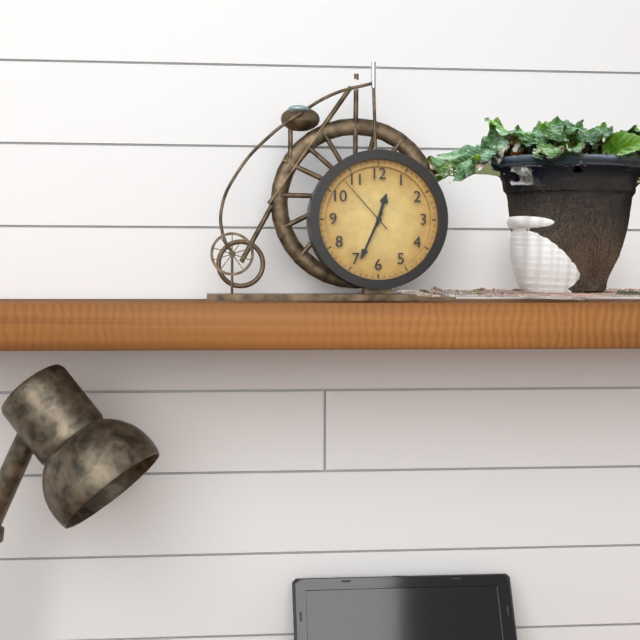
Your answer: 12.34.53
